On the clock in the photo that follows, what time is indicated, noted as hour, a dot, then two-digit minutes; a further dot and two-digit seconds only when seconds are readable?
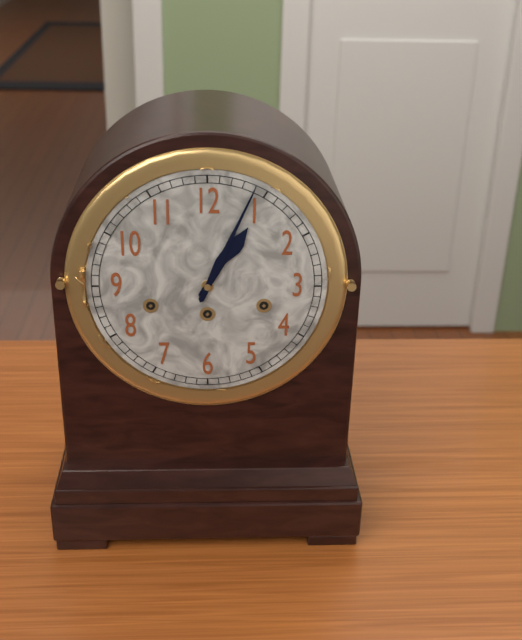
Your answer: 1.04
